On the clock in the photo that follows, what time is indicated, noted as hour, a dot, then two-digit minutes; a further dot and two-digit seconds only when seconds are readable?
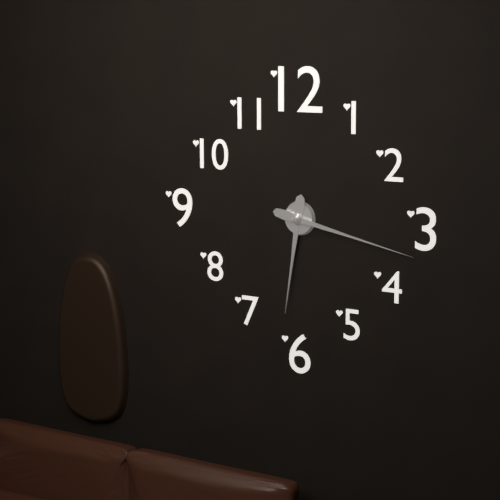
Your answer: 6.17
